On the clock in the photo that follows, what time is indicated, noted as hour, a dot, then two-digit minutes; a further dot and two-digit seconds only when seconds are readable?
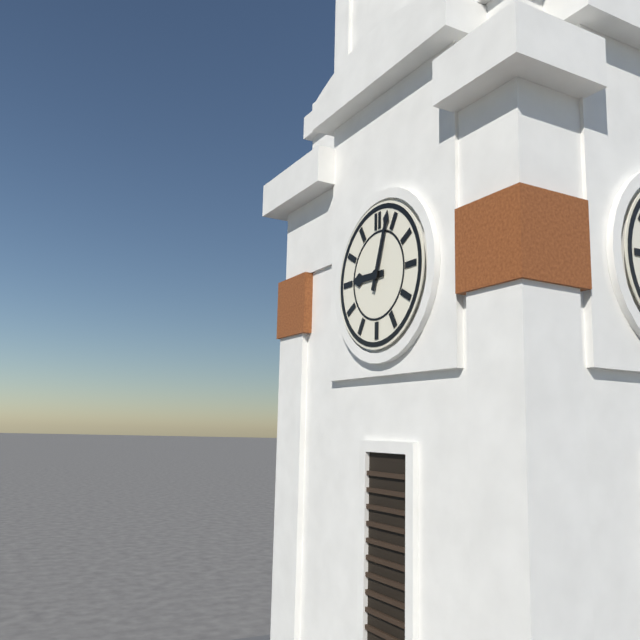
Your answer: 9.03
